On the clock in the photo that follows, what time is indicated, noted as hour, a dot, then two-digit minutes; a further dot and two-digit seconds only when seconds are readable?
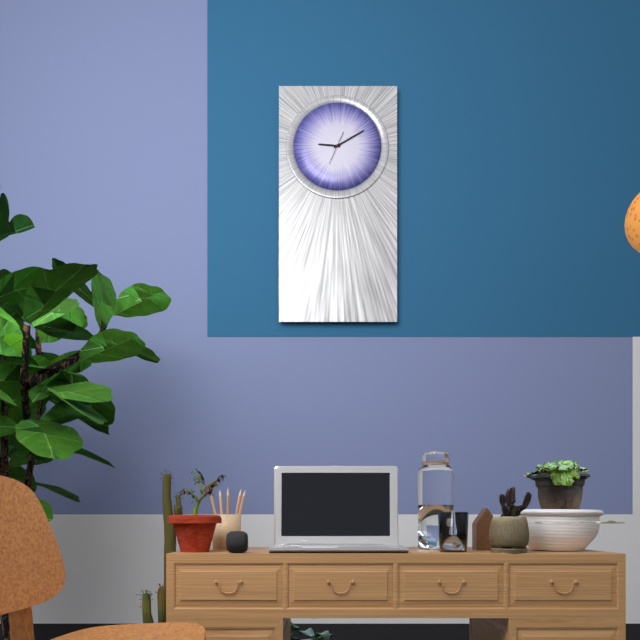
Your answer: 9.10
